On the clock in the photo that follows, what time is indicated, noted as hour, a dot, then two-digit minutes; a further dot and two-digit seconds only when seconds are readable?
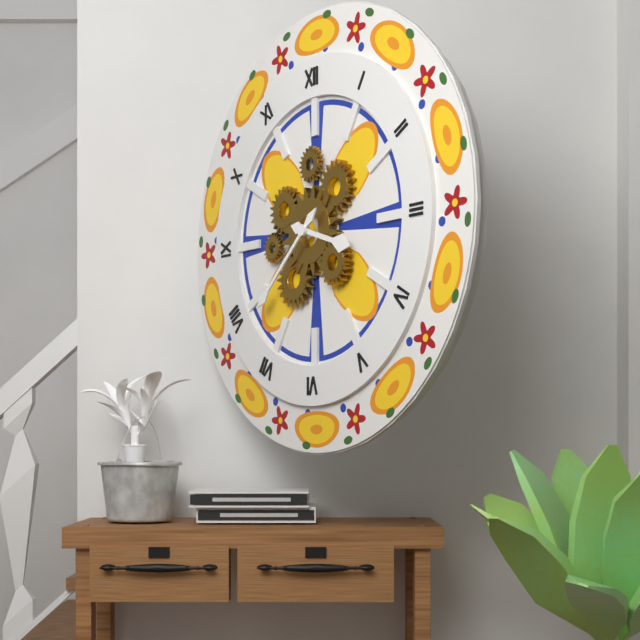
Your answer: 3.38
